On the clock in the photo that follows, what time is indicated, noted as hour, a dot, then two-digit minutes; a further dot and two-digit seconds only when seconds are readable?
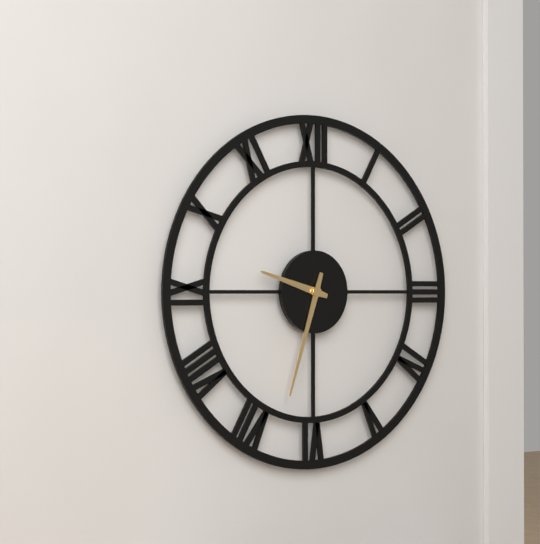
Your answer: 9.33
